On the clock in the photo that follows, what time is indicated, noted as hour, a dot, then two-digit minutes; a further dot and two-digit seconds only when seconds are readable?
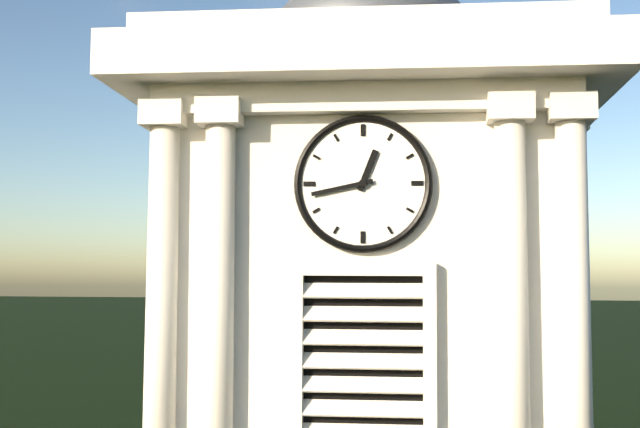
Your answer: 12.43
